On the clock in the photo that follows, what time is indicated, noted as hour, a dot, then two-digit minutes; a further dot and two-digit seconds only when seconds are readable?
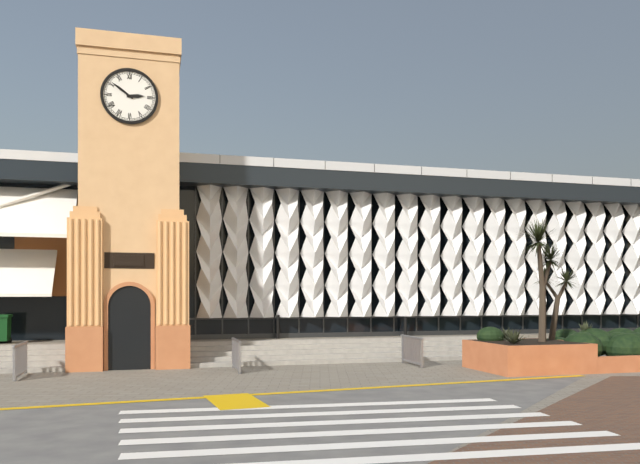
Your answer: 2.51
